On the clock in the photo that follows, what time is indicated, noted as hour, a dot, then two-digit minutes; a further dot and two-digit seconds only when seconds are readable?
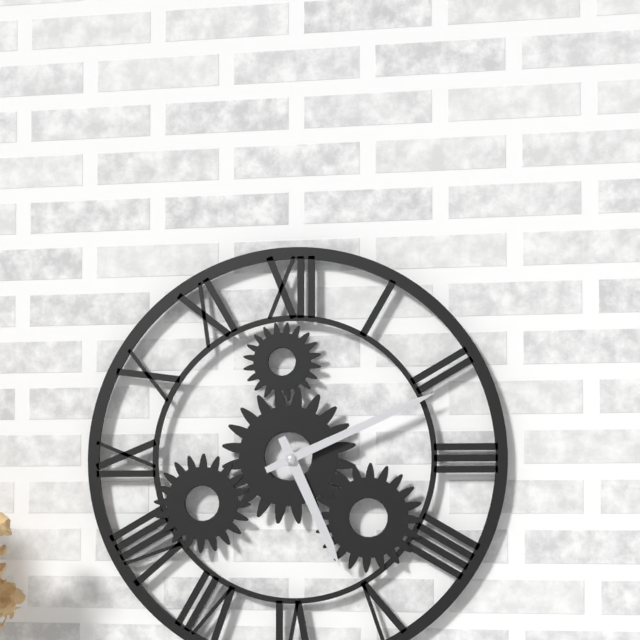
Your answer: 5.11
